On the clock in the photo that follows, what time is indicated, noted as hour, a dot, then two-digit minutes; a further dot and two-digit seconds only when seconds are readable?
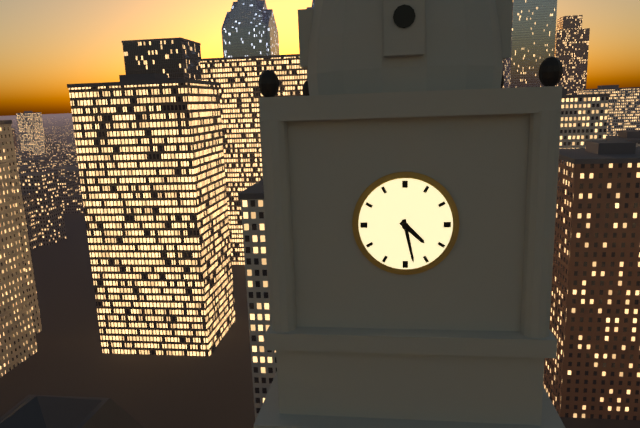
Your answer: 4.28
